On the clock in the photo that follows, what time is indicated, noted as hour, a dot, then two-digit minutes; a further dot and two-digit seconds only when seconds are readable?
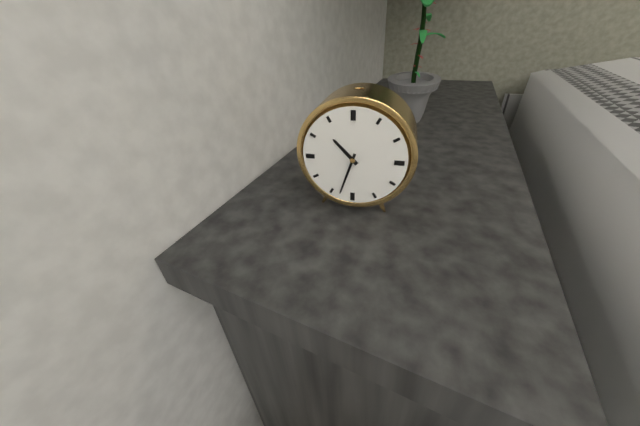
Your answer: 10.33
